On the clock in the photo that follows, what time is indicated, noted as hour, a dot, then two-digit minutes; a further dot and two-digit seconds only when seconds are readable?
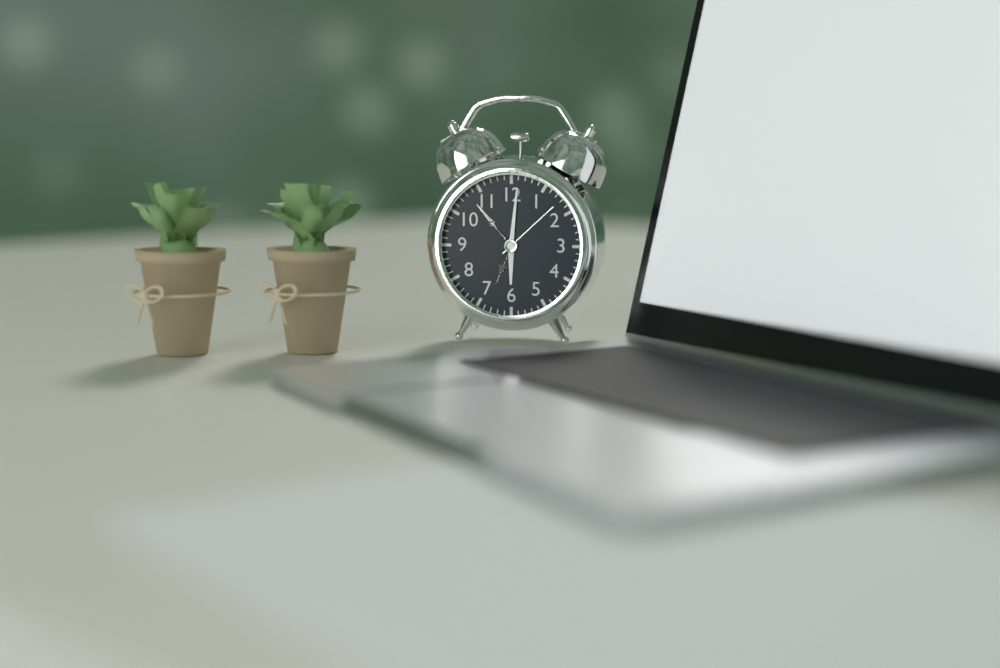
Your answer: 6.01
